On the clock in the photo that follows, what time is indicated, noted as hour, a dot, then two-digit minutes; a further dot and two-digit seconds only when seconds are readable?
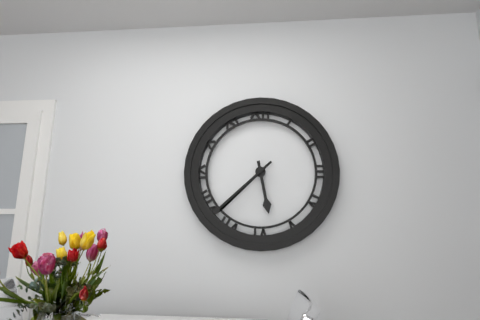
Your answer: 5.38
